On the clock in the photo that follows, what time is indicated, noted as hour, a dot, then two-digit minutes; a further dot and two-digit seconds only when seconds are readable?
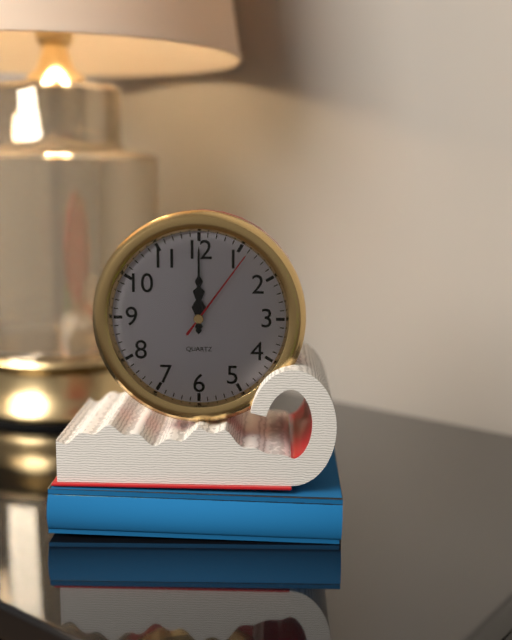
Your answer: 12.00.06
